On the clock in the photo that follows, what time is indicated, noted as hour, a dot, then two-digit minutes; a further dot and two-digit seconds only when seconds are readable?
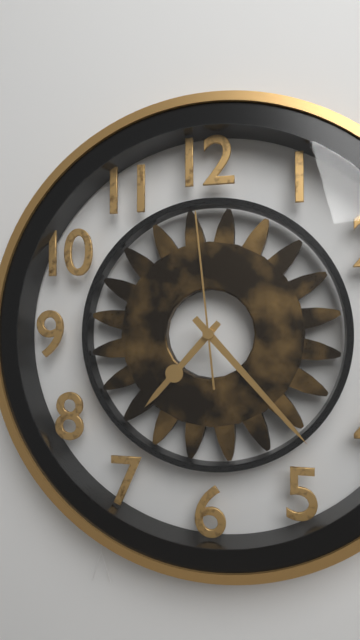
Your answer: 7.23.59
